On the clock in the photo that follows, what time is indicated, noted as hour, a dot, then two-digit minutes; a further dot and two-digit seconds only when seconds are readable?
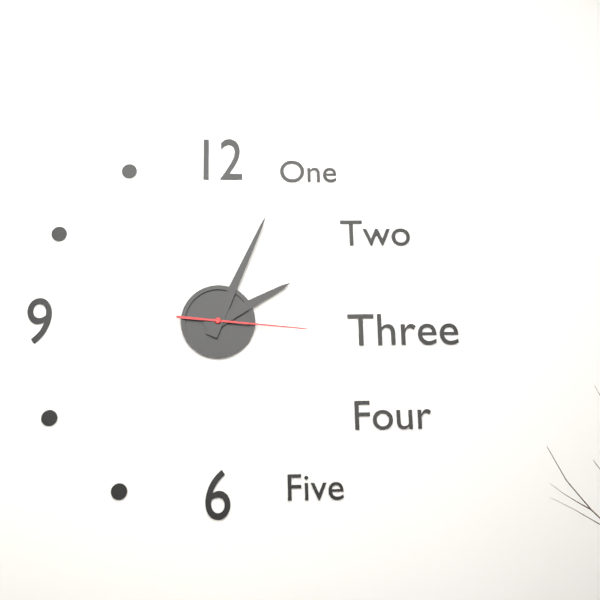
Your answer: 2.04.16
